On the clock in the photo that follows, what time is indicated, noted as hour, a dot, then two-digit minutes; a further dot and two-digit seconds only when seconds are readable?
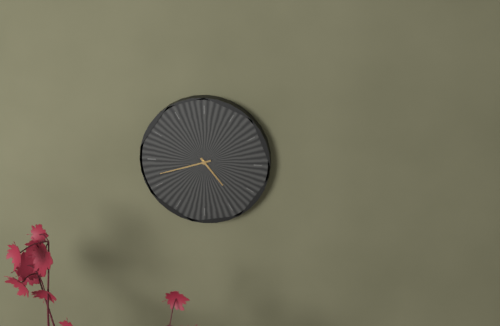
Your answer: 4.42
